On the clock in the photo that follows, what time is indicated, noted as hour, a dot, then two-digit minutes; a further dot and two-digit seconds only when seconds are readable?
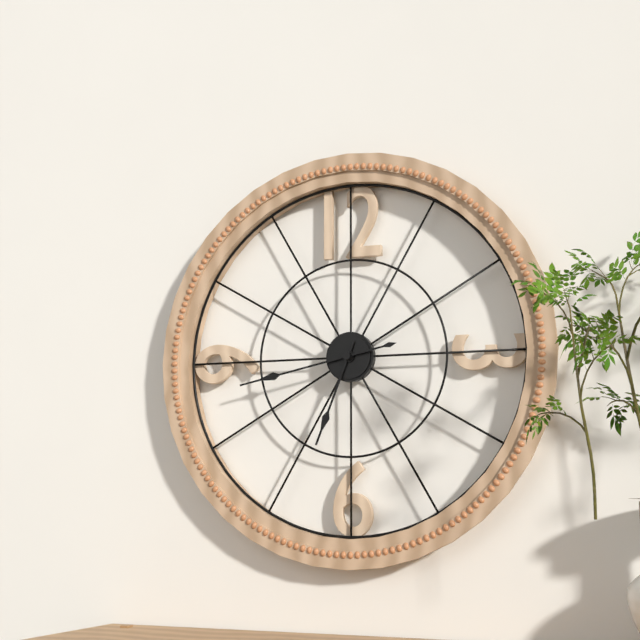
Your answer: 6.43
